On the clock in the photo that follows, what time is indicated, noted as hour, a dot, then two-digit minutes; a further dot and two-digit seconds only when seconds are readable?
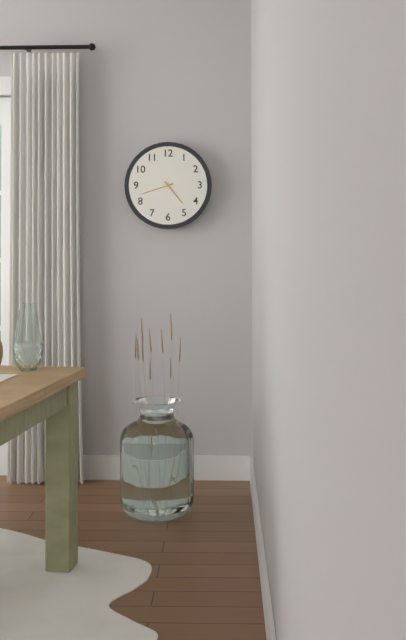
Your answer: 4.42
